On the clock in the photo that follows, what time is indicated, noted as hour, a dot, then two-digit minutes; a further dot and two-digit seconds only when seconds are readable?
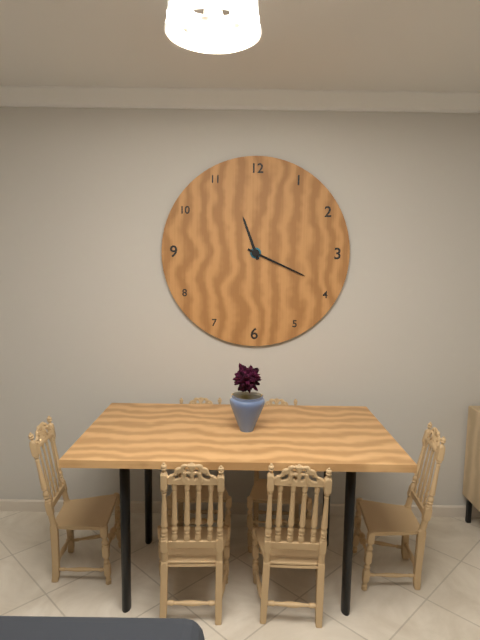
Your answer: 11.19
